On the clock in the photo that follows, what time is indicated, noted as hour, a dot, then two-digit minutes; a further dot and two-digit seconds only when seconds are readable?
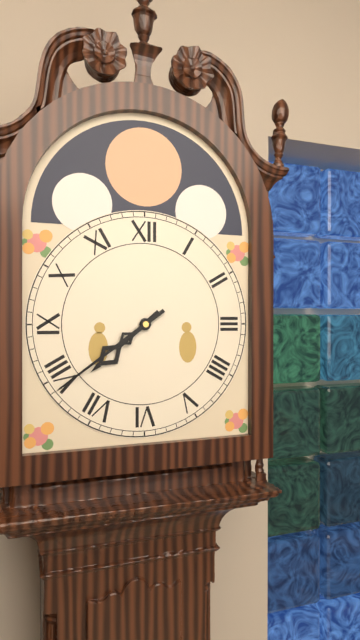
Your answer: 7.39
